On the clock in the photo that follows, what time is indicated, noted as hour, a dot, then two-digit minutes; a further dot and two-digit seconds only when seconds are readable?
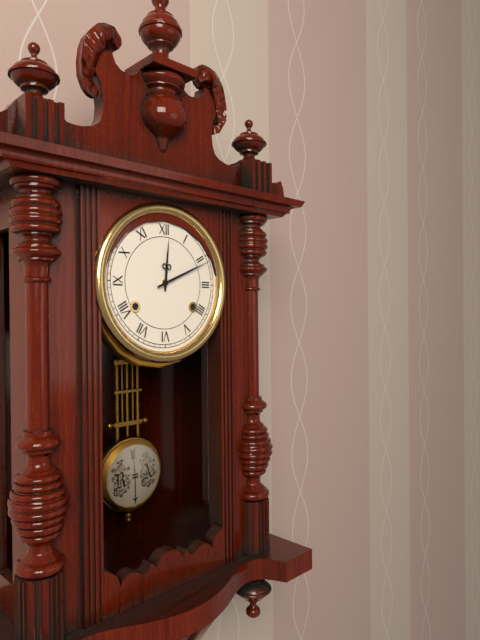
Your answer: 12.11
